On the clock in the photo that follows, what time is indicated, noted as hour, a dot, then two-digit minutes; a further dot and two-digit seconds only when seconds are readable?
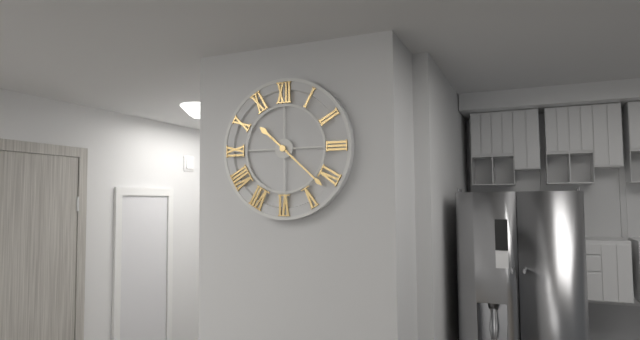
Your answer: 10.22
